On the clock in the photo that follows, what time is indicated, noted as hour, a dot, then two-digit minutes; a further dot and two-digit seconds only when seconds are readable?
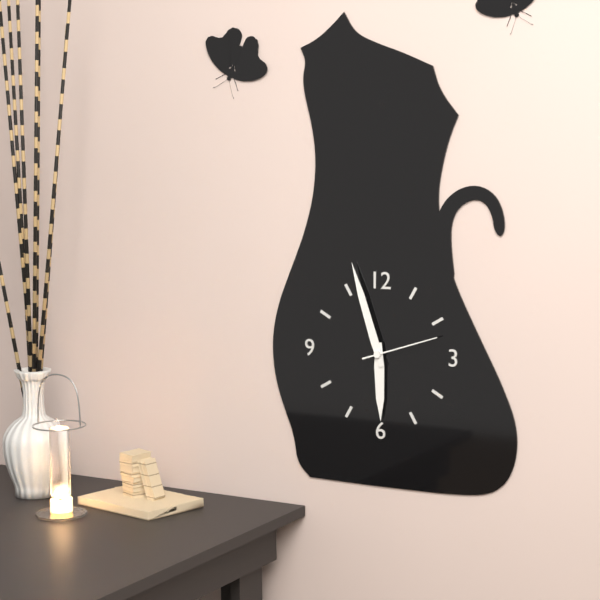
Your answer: 5.57.12
